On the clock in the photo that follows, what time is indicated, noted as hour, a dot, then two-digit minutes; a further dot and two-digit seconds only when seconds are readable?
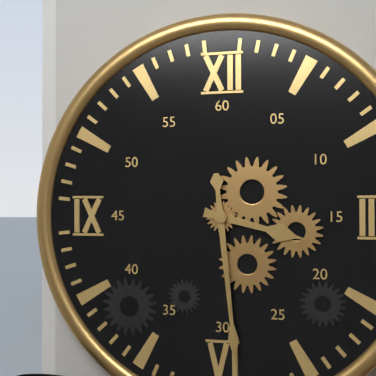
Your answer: 3.29
